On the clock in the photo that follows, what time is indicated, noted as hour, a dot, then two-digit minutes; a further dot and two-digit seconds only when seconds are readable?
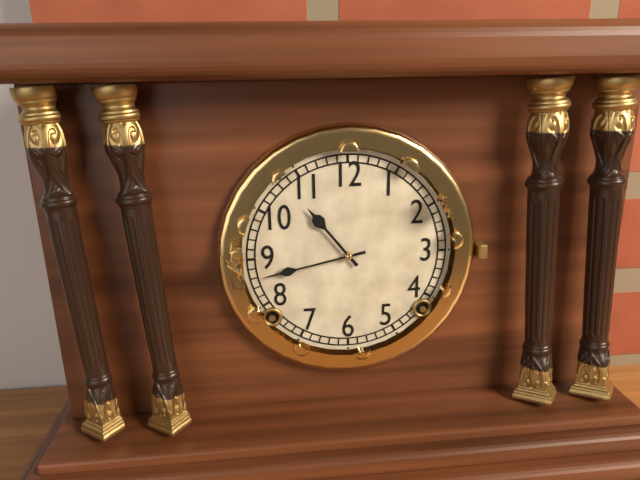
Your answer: 10.43
